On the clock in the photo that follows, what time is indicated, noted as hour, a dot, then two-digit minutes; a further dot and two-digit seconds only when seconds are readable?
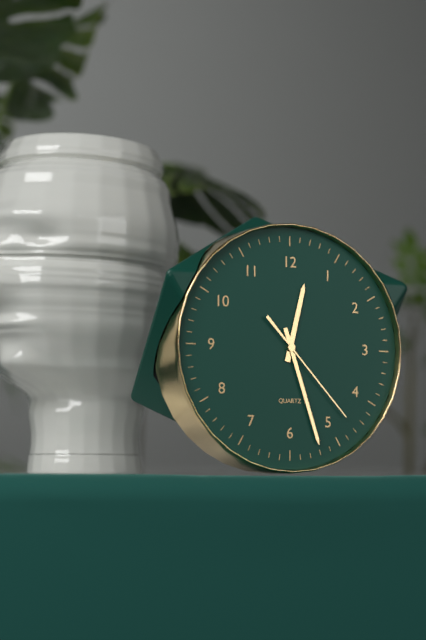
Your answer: 12.27.23
